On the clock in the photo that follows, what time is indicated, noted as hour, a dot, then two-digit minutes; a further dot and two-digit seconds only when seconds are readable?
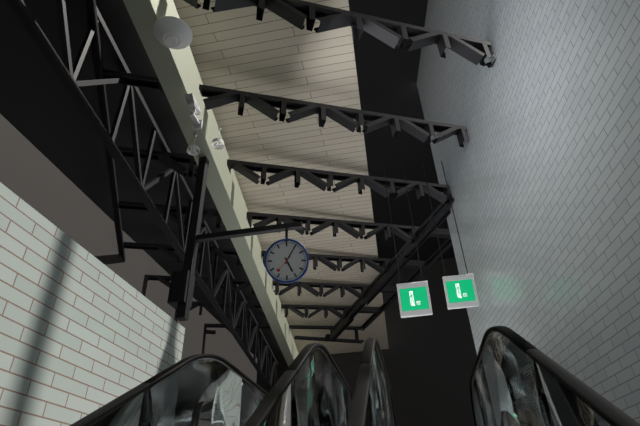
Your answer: 5.05
